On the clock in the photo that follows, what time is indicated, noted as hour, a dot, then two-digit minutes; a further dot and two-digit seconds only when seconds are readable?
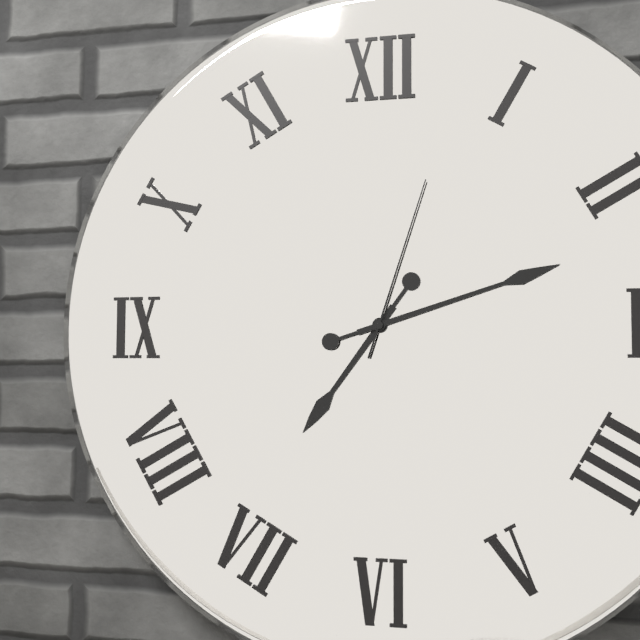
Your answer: 7.12.03
